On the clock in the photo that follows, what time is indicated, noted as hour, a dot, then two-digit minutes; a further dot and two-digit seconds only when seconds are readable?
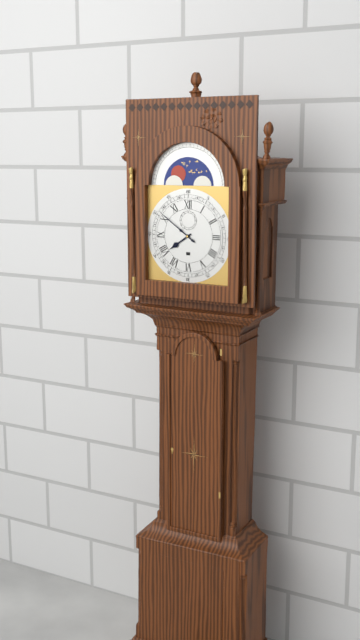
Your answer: 7.51
